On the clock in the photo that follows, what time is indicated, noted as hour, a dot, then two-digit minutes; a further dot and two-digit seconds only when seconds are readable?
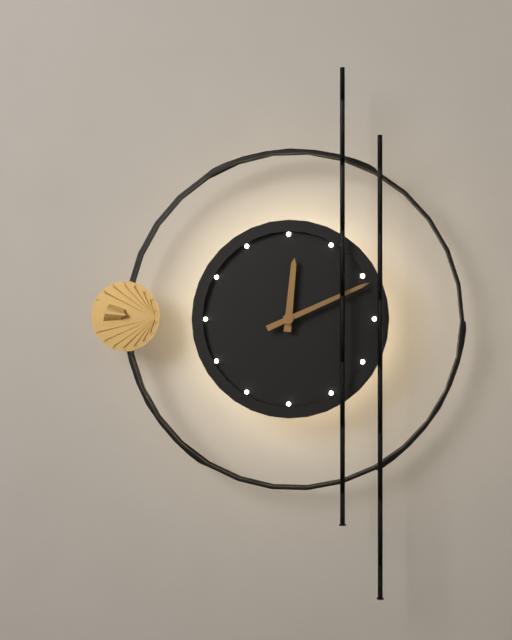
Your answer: 12.11
